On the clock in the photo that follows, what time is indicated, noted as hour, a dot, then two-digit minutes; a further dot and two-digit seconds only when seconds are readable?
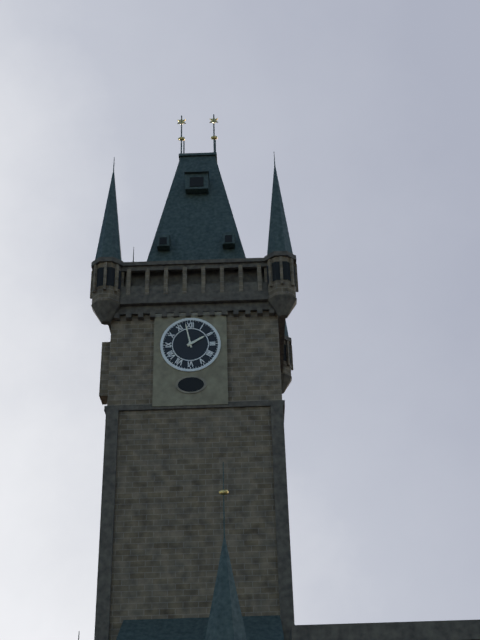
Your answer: 1.58
